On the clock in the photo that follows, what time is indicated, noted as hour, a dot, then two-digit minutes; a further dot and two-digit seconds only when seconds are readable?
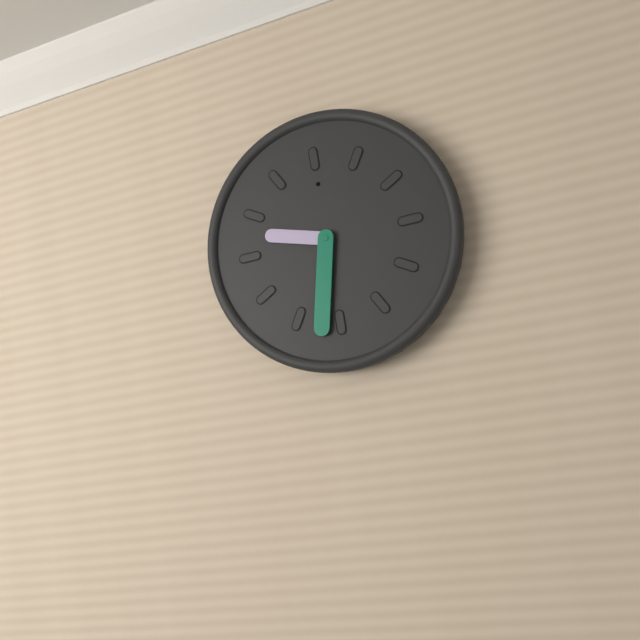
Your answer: 9.32
